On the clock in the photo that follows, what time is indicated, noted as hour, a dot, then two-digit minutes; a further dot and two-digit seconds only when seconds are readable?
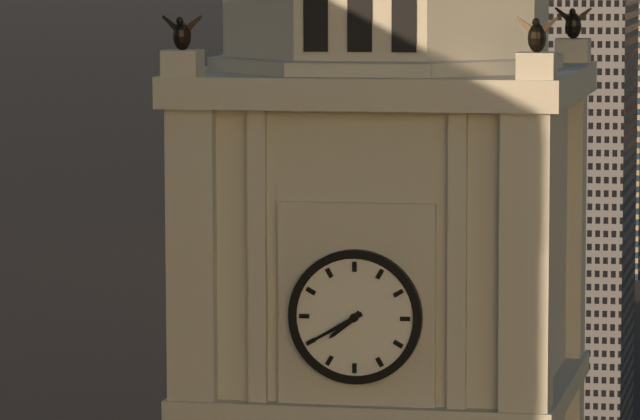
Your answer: 7.40
